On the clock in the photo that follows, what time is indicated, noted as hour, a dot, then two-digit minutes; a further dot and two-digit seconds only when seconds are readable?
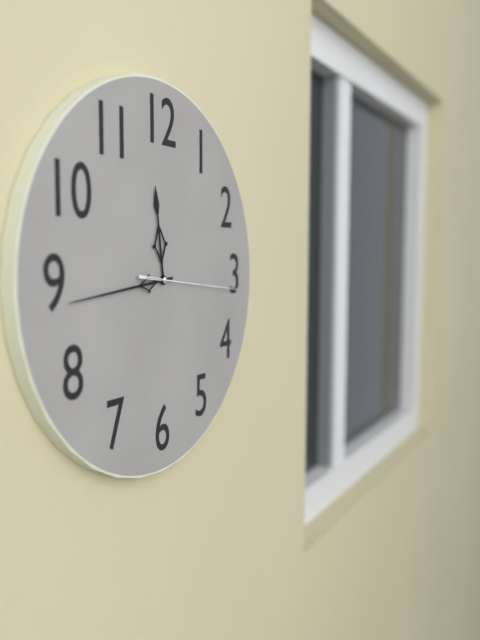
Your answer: 11.44.16
